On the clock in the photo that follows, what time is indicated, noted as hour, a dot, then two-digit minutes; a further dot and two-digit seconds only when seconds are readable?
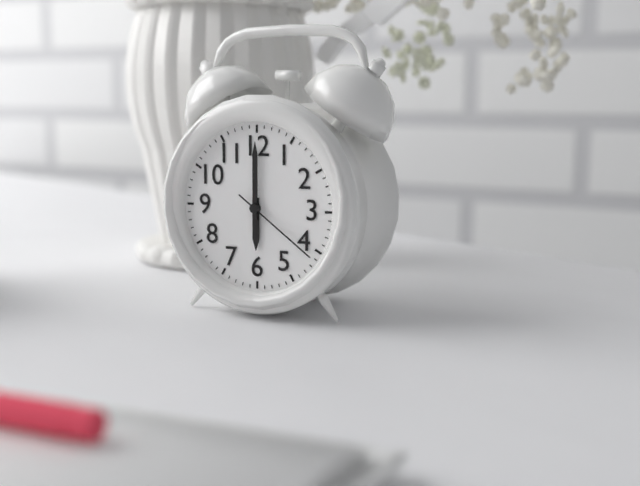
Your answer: 6.00.21
